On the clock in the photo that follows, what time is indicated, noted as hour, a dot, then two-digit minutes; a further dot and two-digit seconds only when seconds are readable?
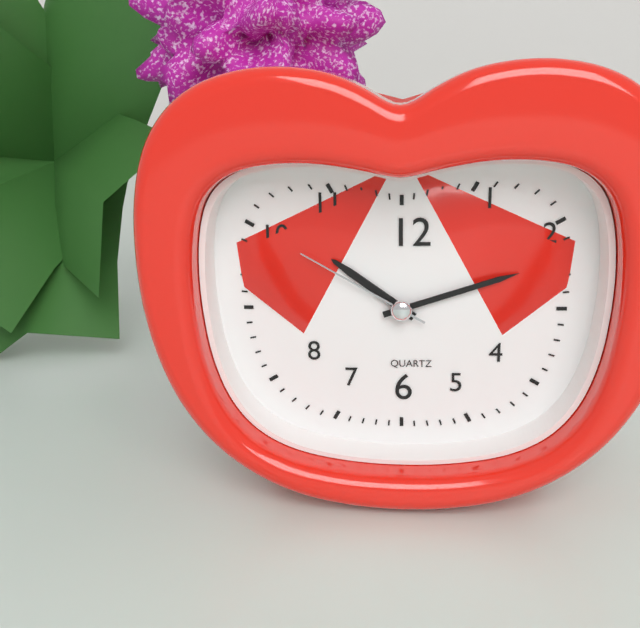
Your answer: 10.12.50
